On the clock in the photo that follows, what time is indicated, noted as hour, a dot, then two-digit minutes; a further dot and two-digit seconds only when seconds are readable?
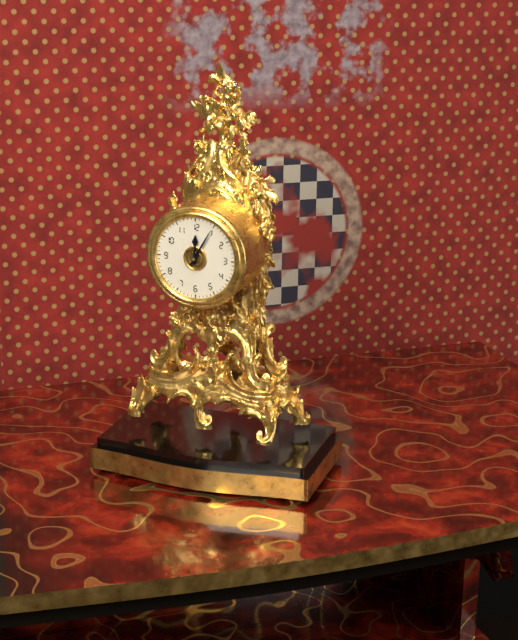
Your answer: 12.05
